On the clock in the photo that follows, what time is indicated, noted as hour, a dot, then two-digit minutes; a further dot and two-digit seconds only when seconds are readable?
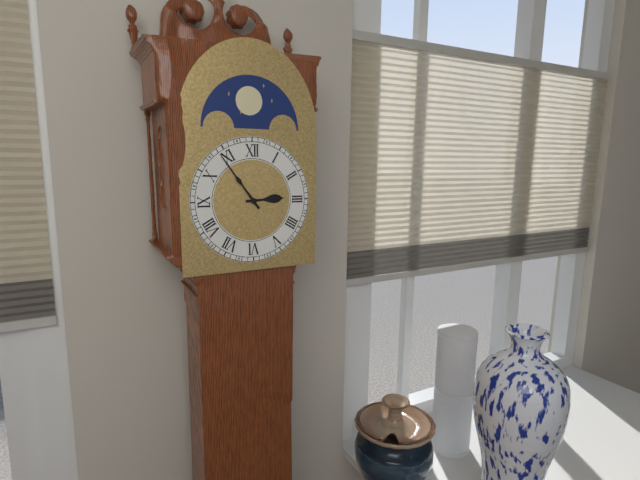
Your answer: 2.54
